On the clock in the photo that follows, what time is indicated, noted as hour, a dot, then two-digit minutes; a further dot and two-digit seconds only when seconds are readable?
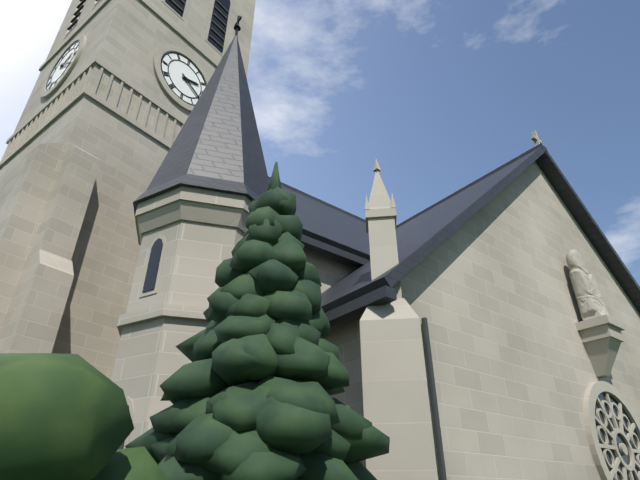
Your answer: 2.20
